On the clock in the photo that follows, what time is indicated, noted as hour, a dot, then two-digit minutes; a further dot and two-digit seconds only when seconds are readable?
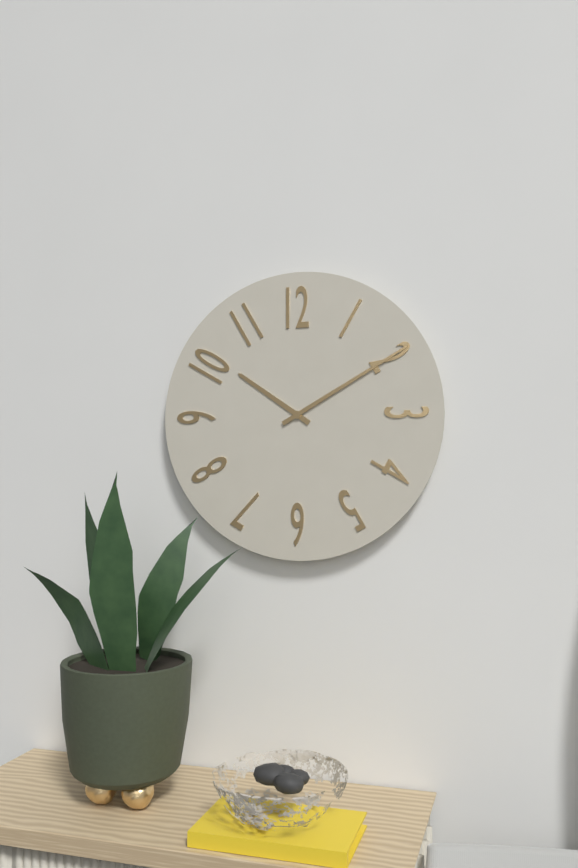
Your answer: 10.10
